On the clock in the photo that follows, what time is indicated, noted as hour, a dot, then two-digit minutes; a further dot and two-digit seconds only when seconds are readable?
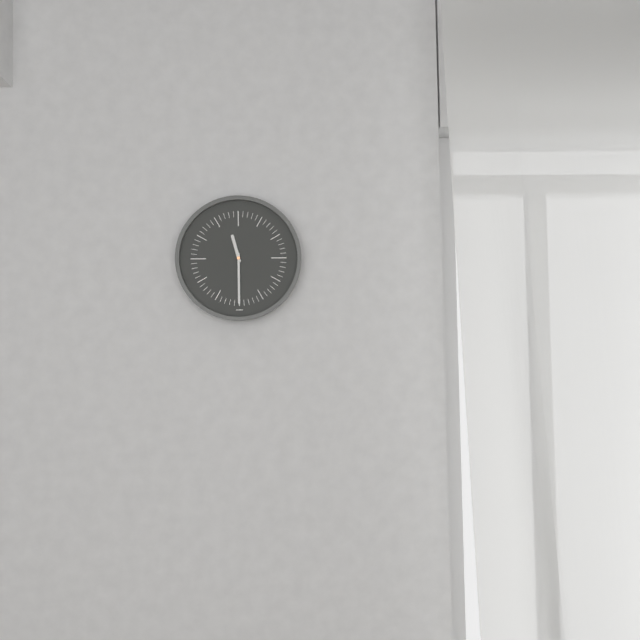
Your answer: 11.30
